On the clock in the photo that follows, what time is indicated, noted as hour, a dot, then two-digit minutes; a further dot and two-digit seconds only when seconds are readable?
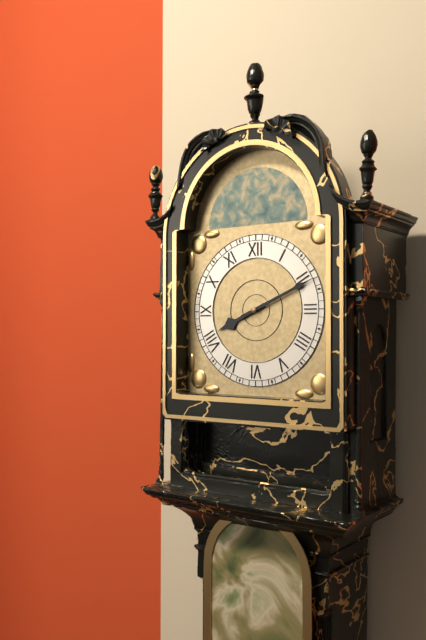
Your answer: 8.11
